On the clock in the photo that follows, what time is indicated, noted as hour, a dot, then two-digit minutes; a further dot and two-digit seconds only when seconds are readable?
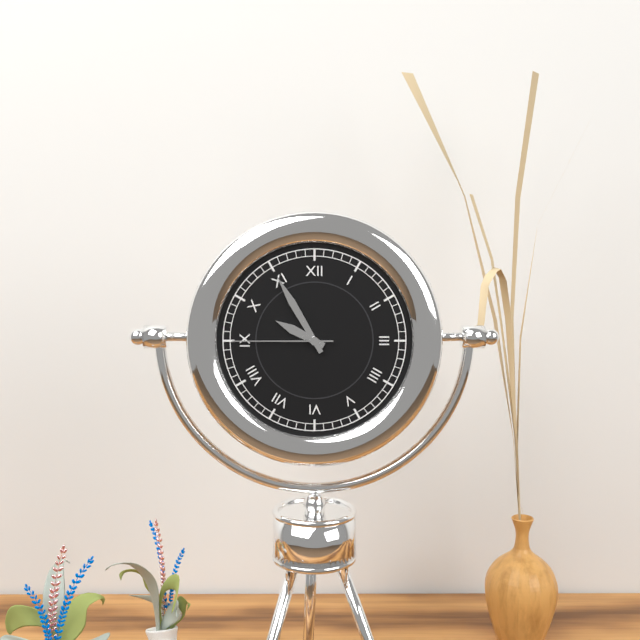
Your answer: 9.55.45
